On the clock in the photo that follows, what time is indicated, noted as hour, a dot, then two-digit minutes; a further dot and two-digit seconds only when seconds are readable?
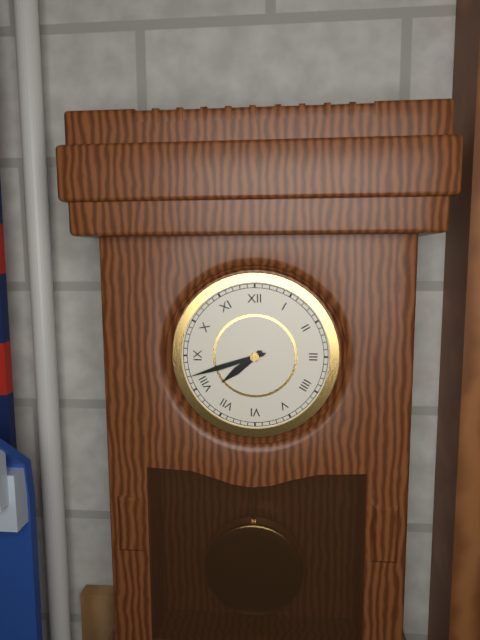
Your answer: 7.42
